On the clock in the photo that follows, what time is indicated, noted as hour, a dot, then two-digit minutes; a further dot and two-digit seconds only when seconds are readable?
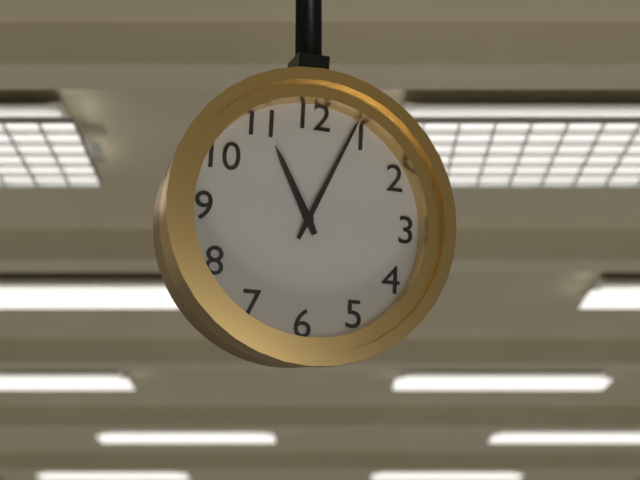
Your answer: 11.04
